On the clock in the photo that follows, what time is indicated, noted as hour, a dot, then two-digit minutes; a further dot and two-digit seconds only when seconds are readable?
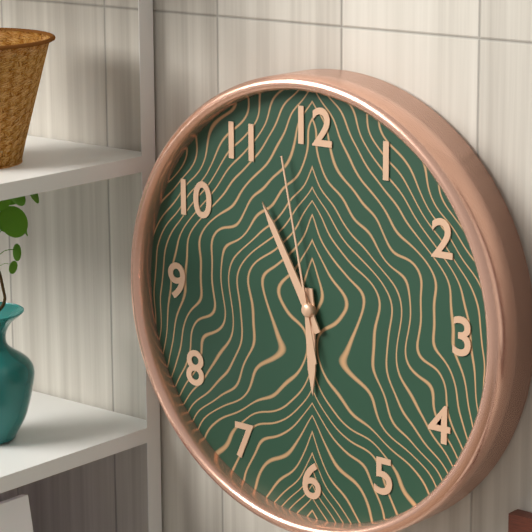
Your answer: 5.55.58
